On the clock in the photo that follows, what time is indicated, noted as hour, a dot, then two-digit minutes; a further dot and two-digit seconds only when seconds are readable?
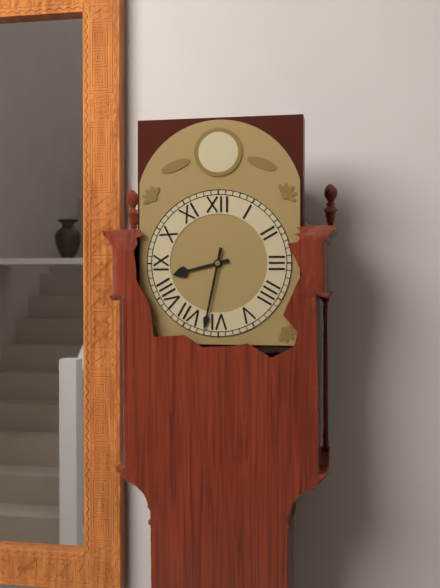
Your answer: 8.32
